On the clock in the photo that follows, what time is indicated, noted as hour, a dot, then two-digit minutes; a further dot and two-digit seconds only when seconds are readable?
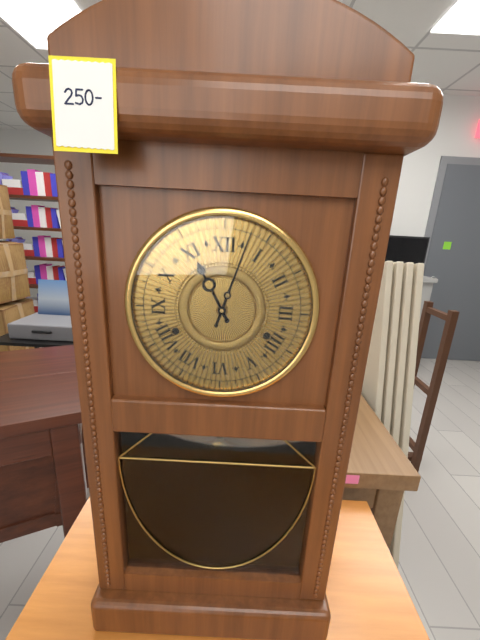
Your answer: 11.03
